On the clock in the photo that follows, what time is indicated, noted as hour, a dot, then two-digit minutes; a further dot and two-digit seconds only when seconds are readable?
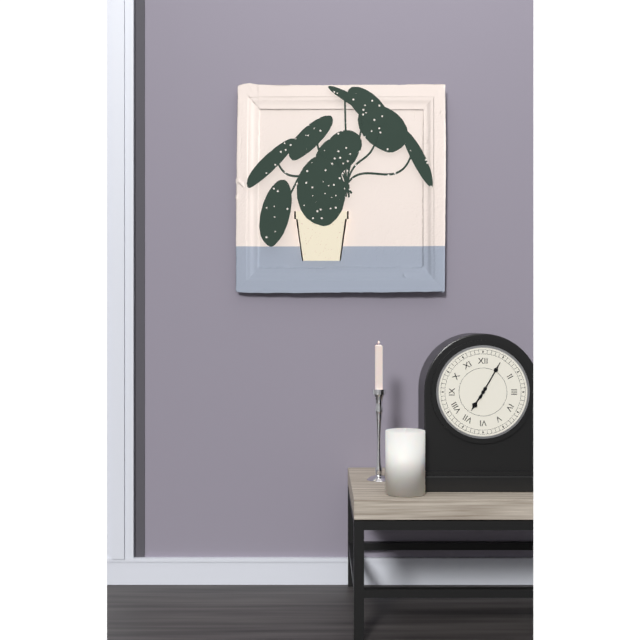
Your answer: 7.05
